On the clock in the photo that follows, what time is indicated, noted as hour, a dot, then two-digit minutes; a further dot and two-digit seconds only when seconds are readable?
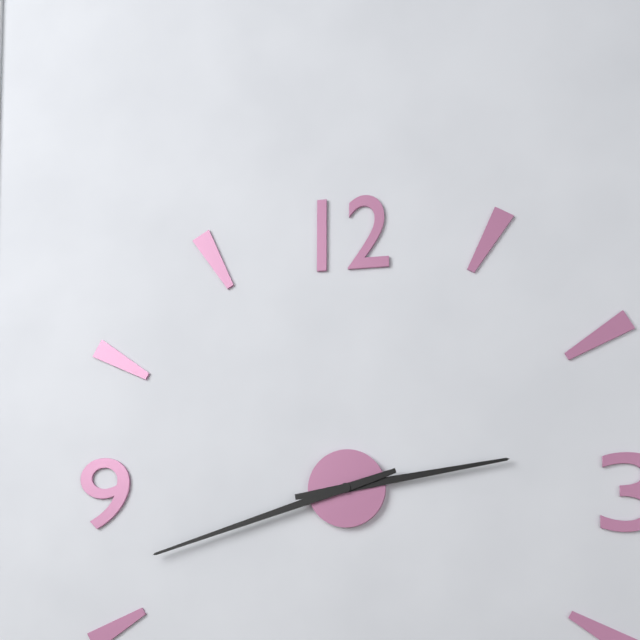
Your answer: 2.42
